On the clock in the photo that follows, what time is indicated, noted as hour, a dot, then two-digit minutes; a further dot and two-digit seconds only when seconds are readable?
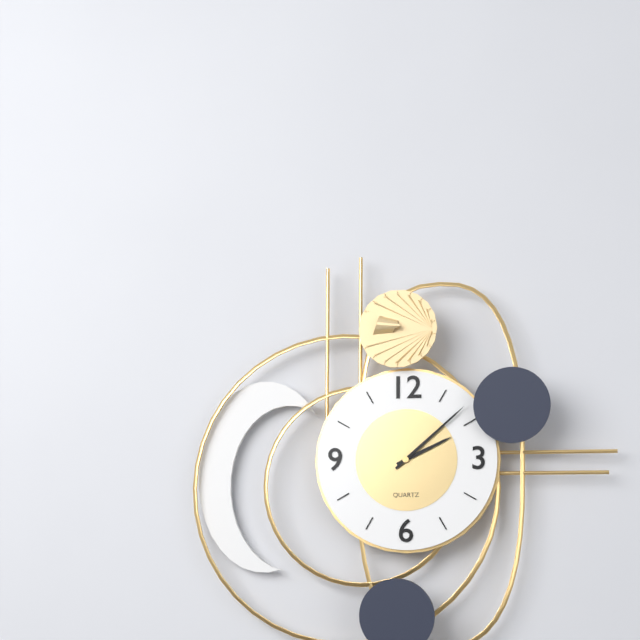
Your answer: 2.08
